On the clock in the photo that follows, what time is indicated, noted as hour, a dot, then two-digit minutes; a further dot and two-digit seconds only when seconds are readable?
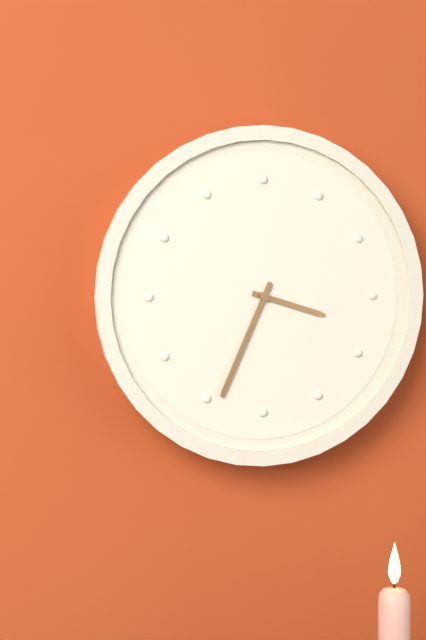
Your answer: 3.34
